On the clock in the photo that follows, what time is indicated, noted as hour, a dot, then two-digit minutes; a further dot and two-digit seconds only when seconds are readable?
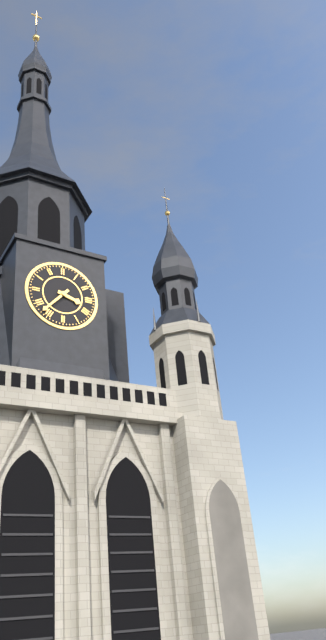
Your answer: 3.37
